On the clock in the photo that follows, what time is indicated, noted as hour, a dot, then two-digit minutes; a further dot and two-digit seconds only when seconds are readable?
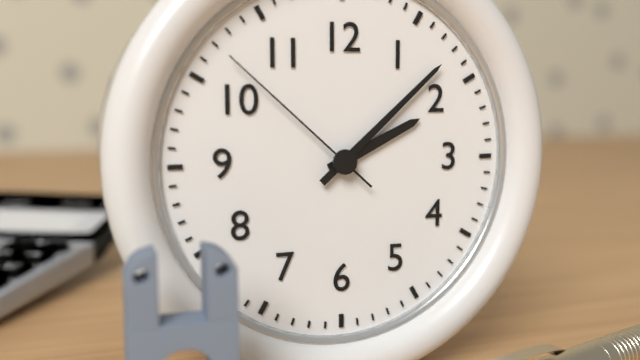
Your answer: 2.08.52
